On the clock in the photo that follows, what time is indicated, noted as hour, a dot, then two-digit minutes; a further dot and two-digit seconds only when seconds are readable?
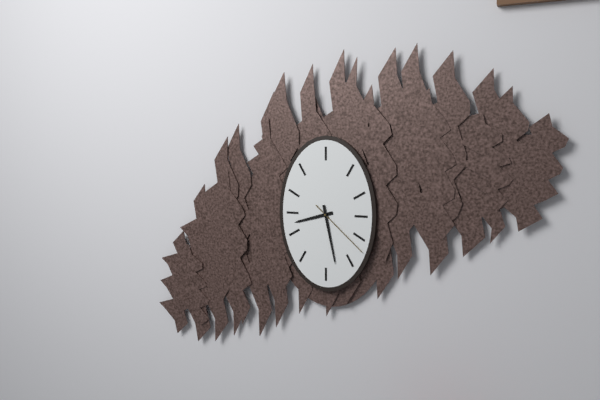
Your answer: 8.28.22
